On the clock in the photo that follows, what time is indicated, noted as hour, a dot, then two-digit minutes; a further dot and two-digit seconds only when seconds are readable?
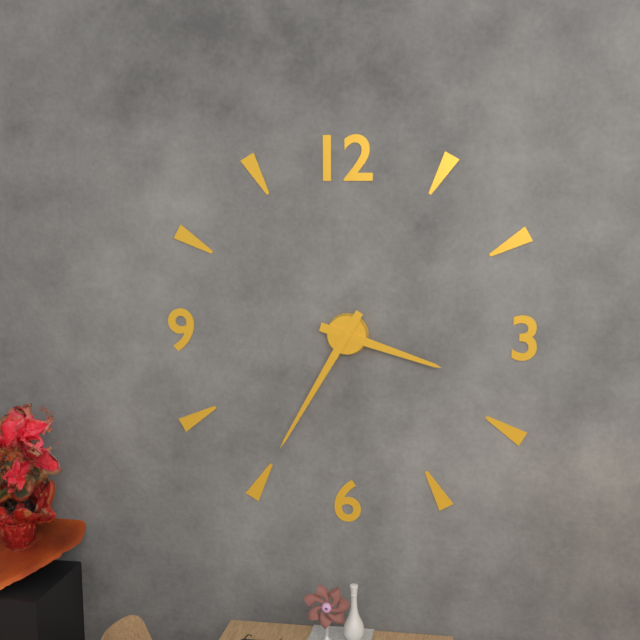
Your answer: 3.35
